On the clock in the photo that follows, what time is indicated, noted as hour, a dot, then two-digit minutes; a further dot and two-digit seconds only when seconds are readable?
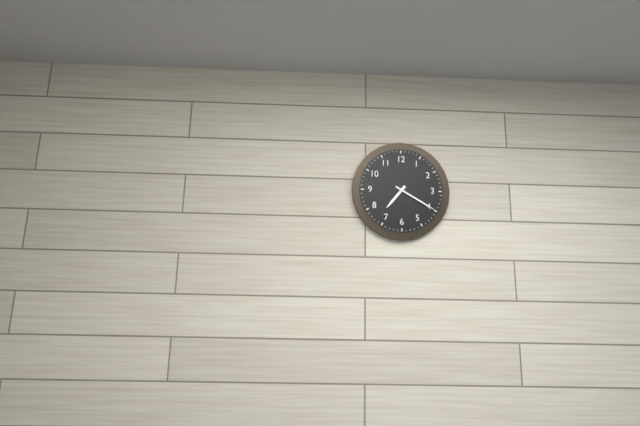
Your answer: 7.20
